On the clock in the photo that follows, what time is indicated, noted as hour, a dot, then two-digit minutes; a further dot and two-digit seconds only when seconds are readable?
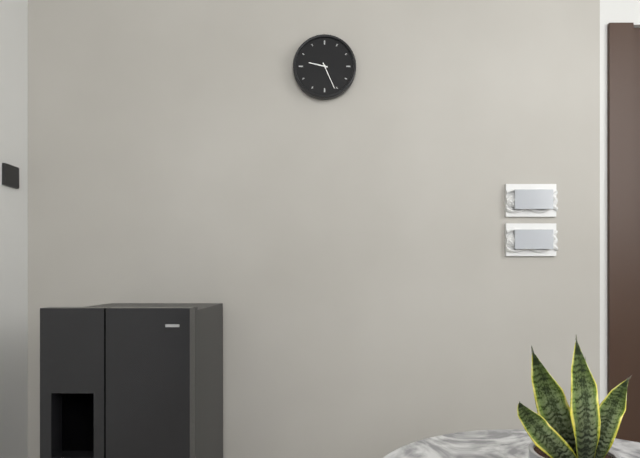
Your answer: 9.26
